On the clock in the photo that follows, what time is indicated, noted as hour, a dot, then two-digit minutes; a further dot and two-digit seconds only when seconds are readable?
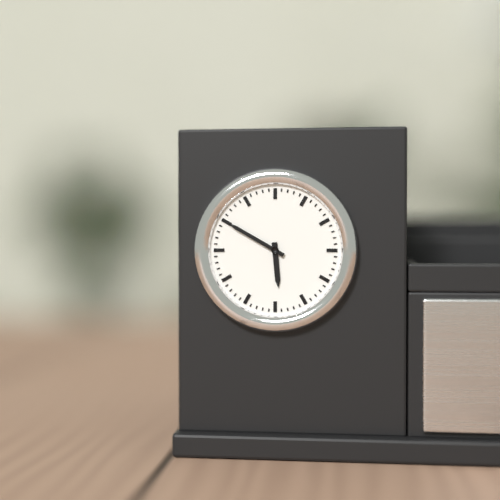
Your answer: 5.50
